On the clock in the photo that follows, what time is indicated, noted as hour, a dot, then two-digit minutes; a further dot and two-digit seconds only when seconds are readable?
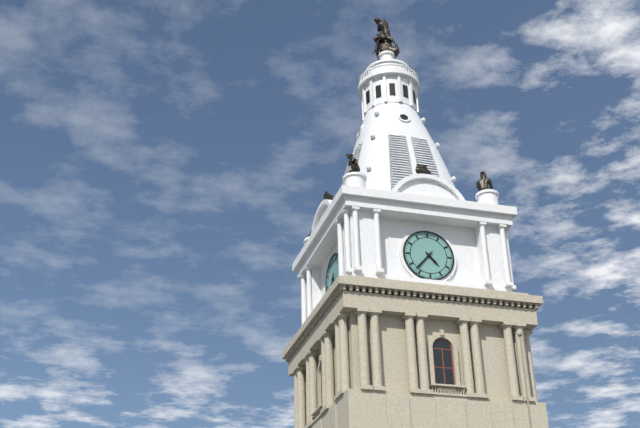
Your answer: 4.37
